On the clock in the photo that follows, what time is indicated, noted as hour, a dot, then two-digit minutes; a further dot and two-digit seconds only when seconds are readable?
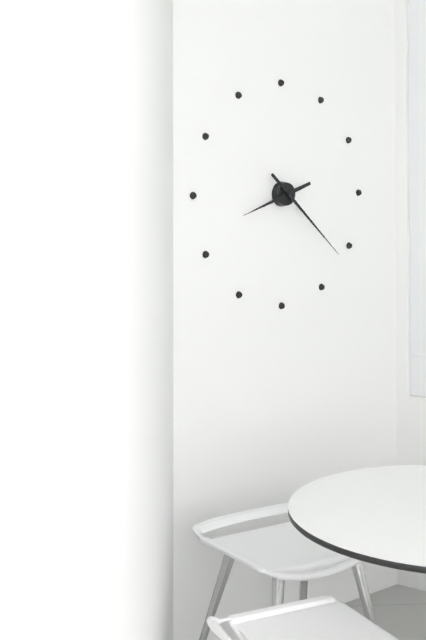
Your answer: 8.22
